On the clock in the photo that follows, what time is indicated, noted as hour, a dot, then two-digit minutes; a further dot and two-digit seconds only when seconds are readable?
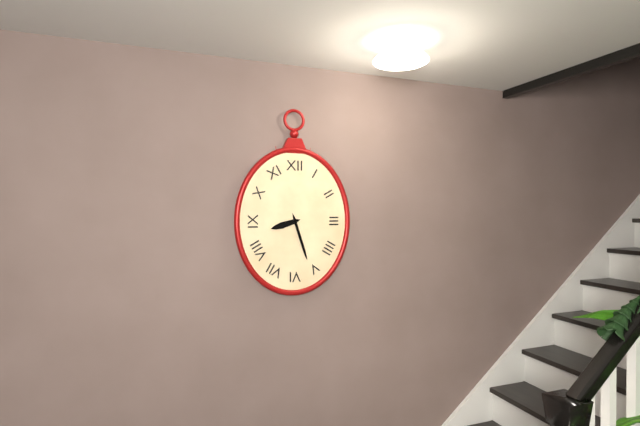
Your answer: 8.27
